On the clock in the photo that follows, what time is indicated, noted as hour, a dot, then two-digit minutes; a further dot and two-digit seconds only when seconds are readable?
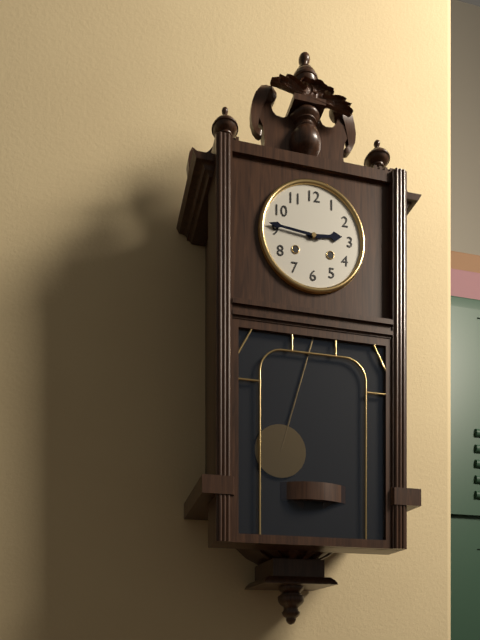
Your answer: 2.46
